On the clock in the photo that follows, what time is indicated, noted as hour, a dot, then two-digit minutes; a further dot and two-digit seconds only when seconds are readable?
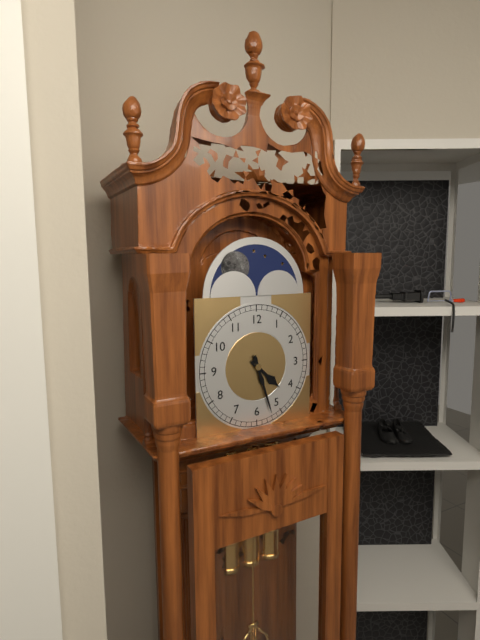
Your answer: 4.27
